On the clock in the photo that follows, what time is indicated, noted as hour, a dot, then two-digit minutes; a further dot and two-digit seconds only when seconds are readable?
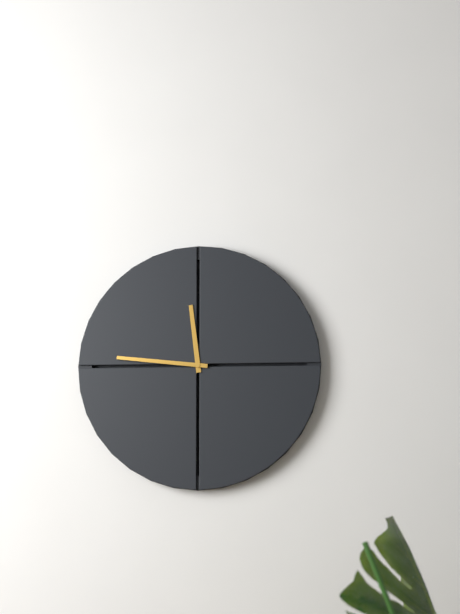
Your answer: 11.46
